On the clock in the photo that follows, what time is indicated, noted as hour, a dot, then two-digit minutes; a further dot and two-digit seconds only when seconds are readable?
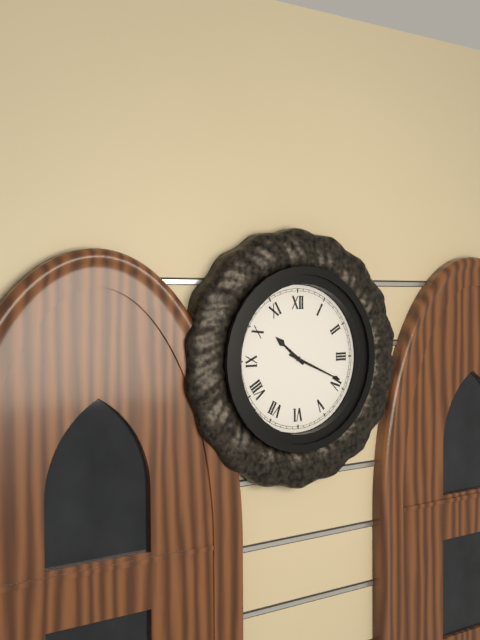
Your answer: 10.19
